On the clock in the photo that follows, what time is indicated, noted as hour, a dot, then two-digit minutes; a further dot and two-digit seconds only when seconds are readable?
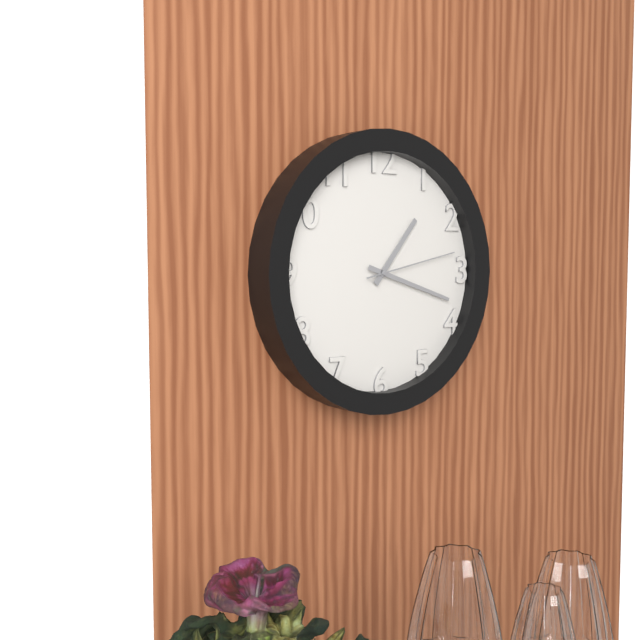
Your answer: 1.18.13
